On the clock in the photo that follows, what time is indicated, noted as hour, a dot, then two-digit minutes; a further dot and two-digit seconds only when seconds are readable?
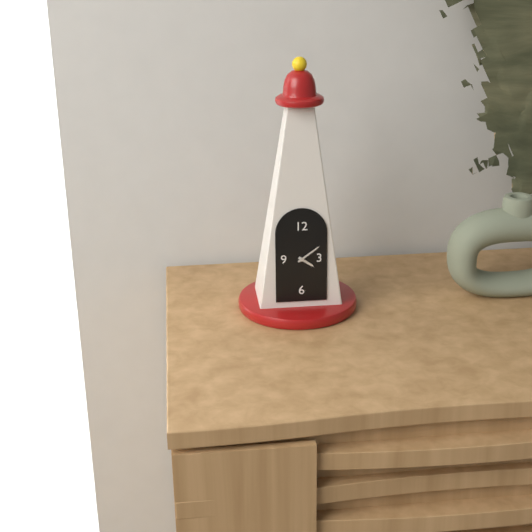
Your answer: 4.09
